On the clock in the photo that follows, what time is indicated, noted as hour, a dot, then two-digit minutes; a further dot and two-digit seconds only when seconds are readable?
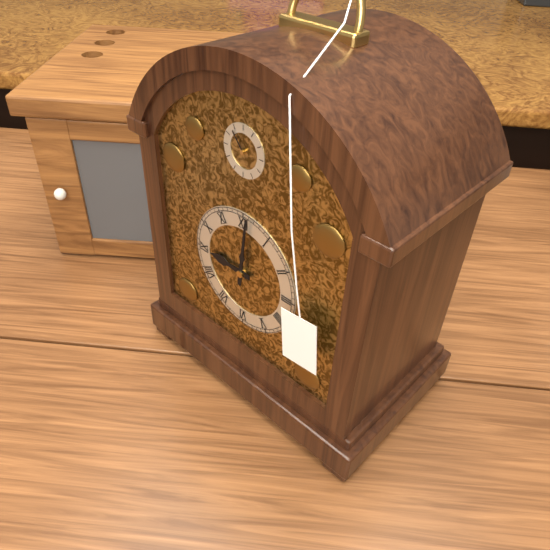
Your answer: 9.01
